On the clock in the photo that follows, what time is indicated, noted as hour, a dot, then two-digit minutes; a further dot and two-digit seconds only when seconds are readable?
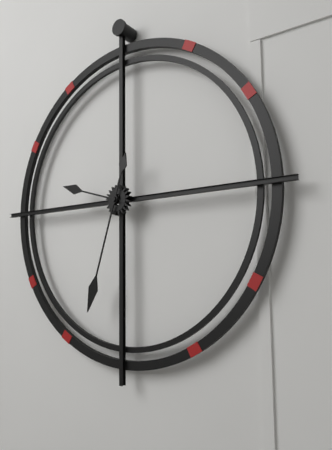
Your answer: 9.33
